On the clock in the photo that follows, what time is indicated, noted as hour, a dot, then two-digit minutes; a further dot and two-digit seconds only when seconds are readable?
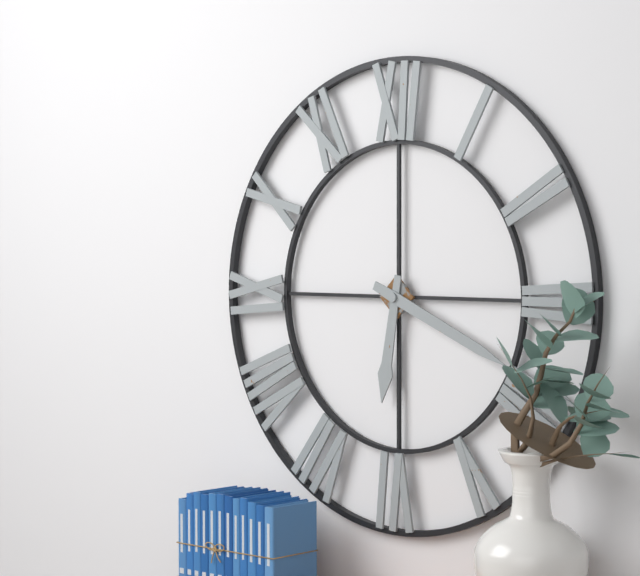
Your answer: 6.19
